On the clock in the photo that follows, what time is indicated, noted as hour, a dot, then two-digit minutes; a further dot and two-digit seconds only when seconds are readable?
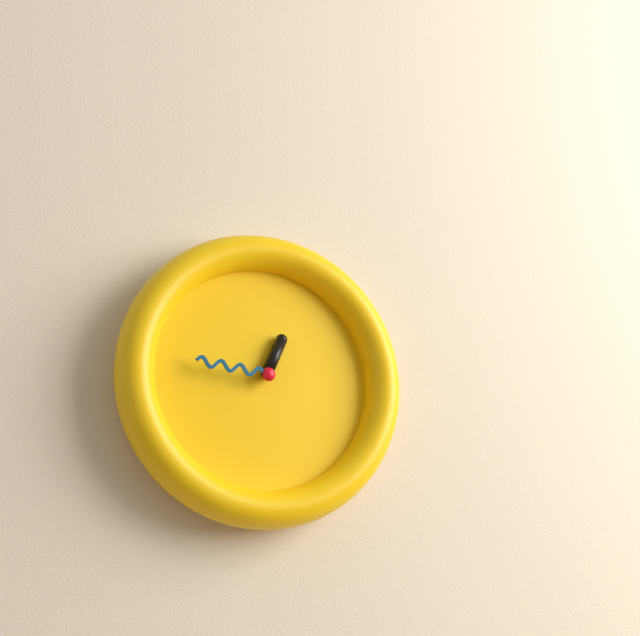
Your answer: 12.46
